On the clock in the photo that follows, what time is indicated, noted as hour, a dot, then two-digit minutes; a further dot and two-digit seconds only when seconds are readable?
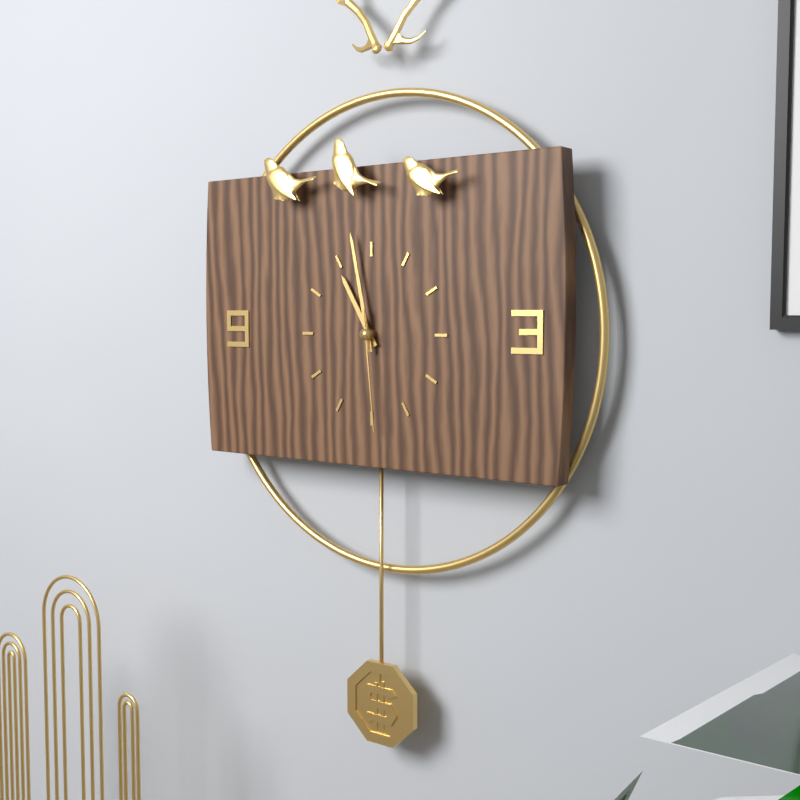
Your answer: 10.58.29
